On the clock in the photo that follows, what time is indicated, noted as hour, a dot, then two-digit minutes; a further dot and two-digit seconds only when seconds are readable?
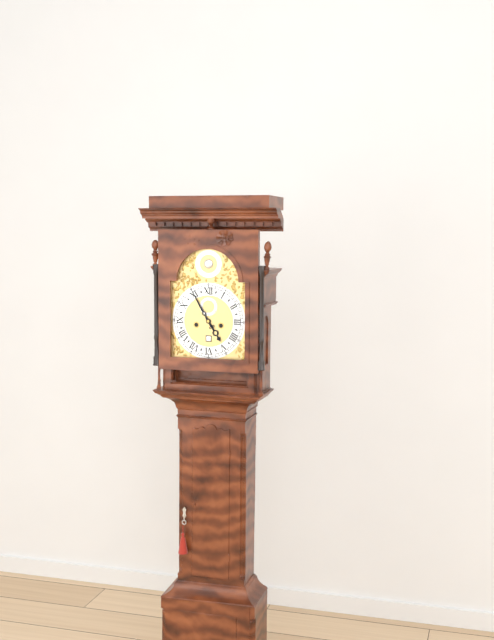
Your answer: 4.55
